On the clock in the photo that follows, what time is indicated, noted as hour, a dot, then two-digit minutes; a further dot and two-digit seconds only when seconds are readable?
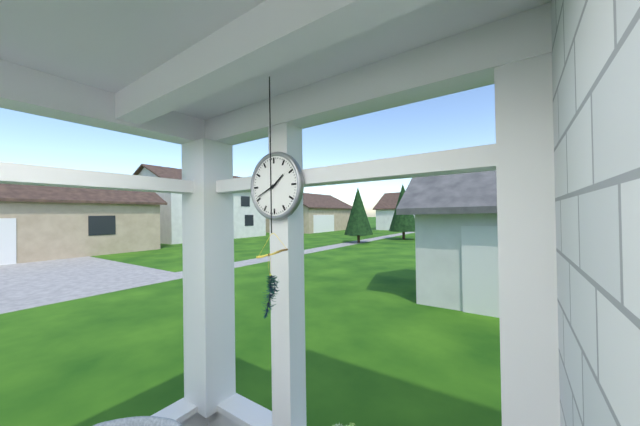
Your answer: 1.41
